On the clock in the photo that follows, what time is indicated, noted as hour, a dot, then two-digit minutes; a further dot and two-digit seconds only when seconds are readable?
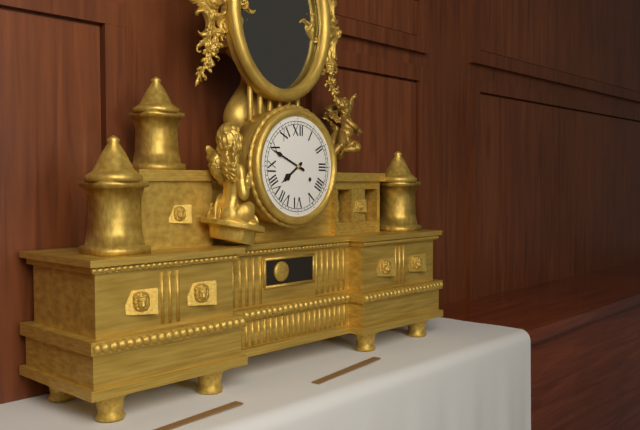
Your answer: 7.49
